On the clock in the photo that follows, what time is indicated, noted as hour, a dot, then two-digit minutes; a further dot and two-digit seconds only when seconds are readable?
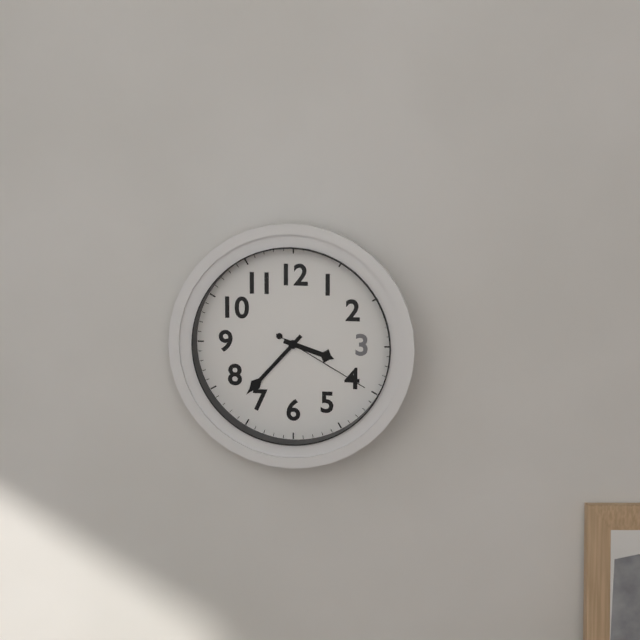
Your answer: 3.37.20
